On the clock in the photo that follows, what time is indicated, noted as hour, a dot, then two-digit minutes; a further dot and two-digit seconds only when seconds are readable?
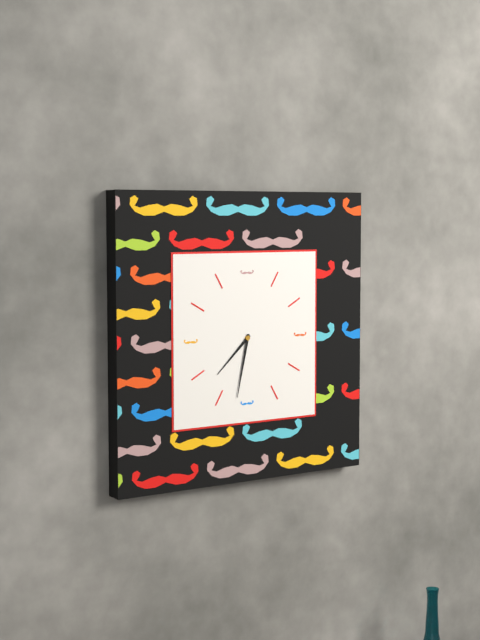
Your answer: 7.32
